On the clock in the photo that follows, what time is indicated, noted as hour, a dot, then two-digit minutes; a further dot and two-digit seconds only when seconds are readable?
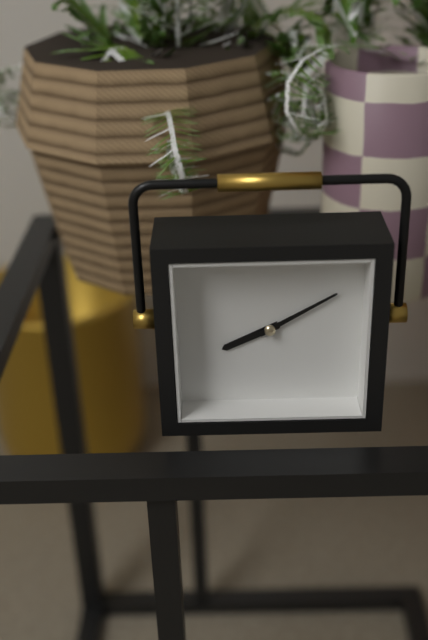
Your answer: 8.10
